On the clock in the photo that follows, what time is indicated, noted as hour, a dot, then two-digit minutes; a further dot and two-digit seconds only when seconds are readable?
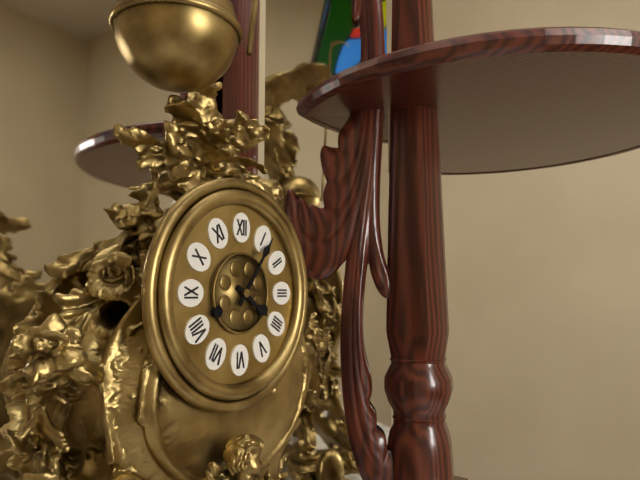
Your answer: 4.06
